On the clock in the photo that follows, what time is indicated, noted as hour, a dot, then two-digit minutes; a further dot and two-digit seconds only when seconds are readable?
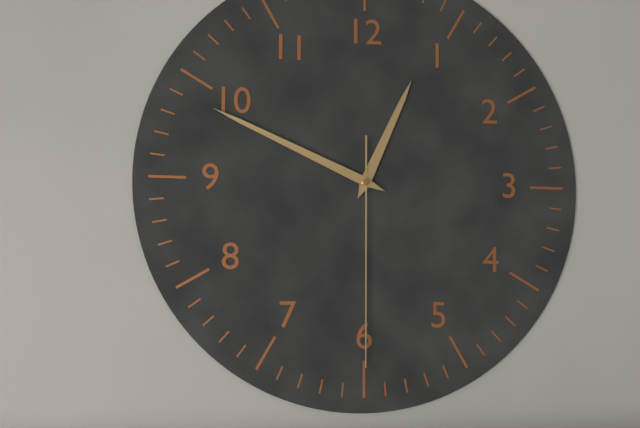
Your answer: 12.49.30
